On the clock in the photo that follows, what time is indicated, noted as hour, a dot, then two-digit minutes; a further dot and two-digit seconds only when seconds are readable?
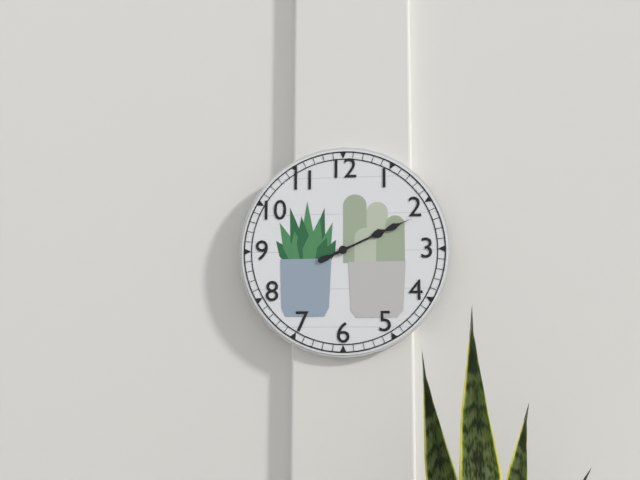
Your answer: 2.11
